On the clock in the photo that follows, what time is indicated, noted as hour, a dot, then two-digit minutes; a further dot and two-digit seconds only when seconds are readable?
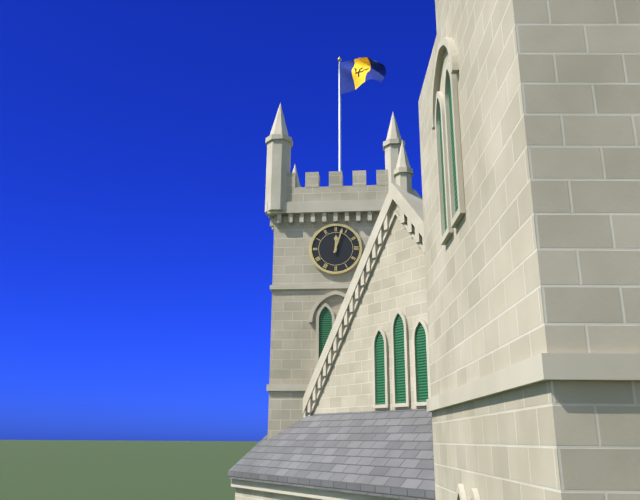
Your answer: 12.03
